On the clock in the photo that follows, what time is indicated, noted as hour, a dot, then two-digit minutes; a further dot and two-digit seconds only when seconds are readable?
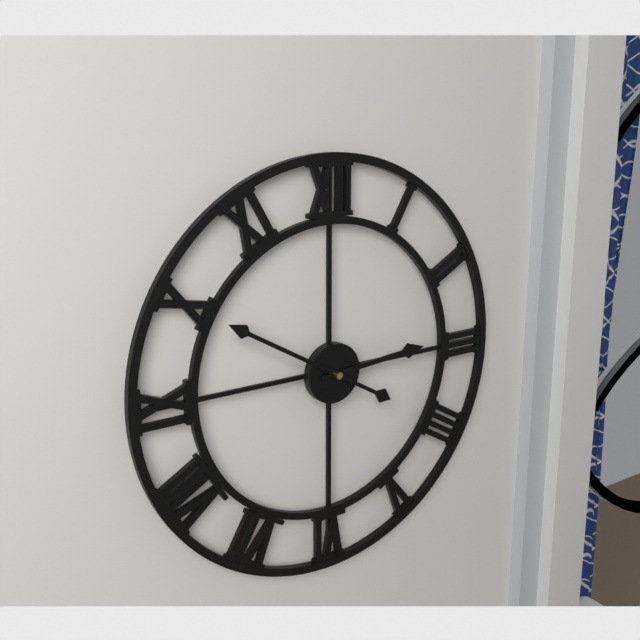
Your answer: 2.50
